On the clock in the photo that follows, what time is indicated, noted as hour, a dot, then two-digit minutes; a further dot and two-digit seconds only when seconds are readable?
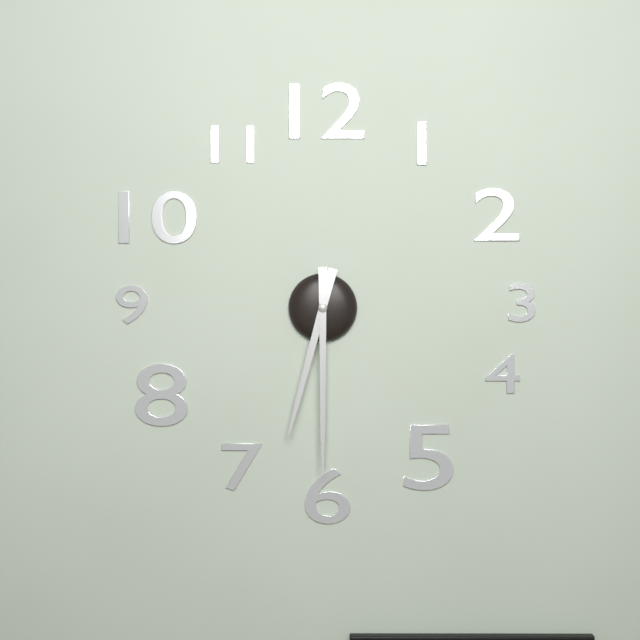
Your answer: 6.30
